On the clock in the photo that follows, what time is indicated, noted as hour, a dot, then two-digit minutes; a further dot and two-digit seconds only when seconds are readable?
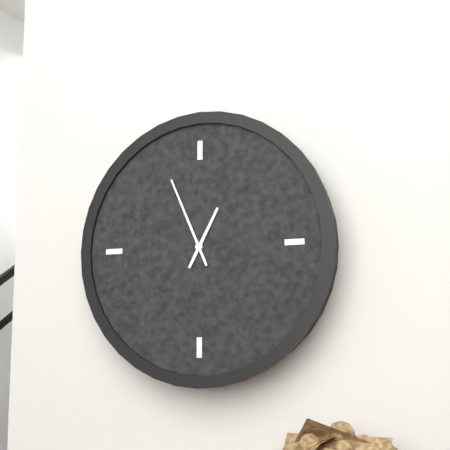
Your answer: 12.56
